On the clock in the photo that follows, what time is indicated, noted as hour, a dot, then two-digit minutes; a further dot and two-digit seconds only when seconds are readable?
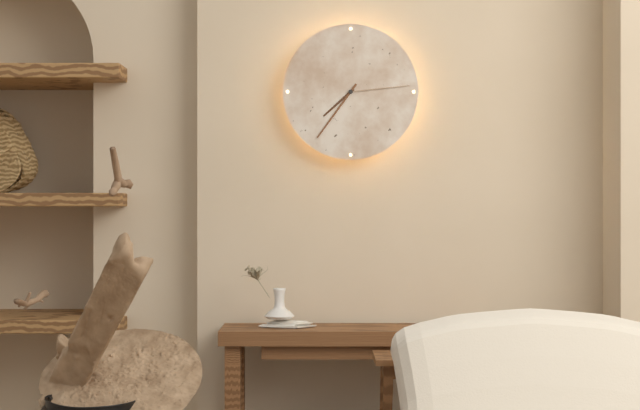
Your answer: 7.36.14
